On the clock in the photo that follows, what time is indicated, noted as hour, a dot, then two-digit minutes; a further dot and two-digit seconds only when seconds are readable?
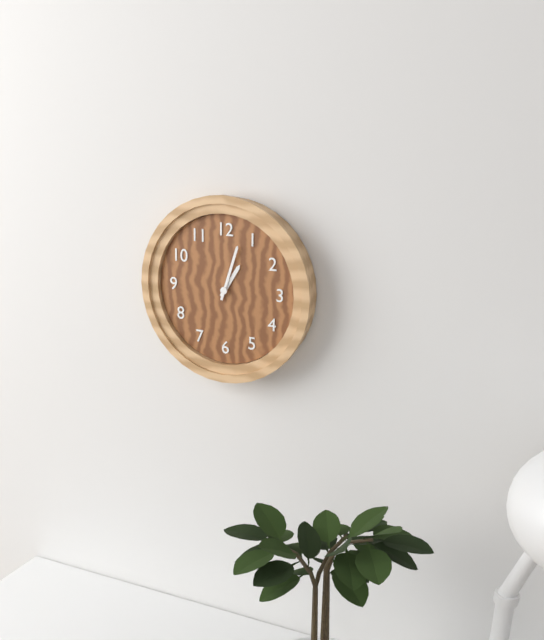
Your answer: 1.03
